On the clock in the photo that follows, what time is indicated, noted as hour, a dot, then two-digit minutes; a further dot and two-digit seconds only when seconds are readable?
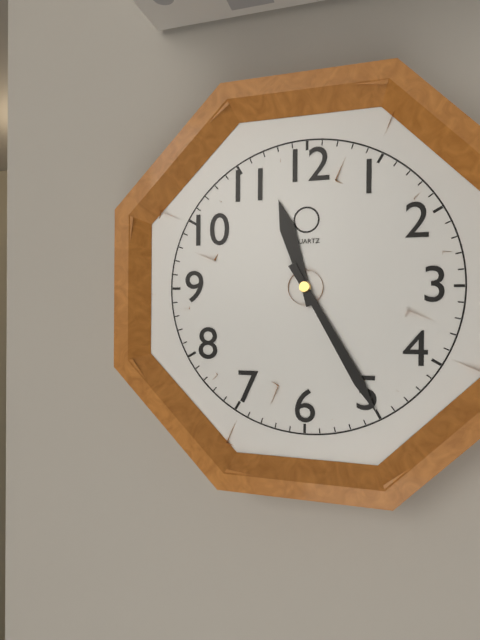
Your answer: 11.25
